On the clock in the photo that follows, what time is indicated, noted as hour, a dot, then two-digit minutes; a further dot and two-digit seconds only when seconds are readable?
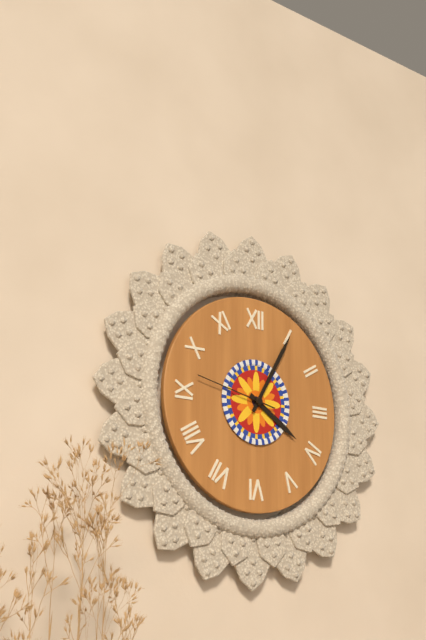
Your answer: 4.05.47
